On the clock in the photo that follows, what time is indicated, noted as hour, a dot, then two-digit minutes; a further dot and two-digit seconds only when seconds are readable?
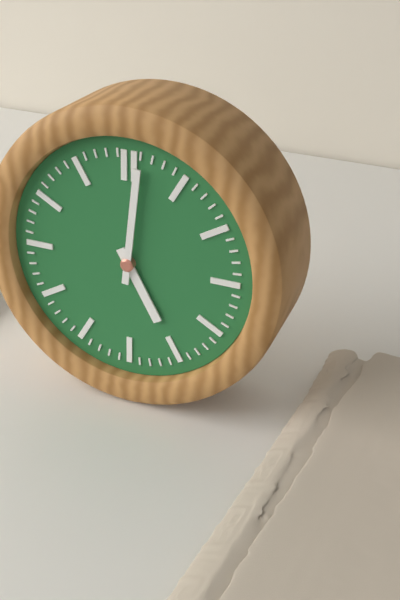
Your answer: 5.01
